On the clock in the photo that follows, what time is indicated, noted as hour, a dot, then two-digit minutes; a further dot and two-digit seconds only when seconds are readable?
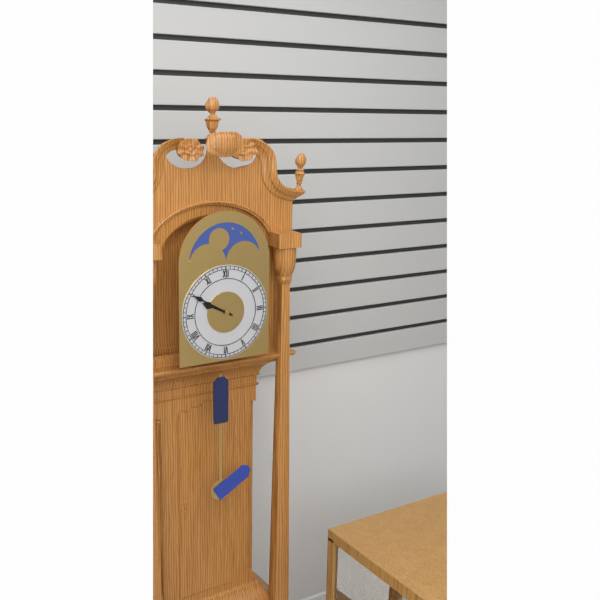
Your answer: 9.50
